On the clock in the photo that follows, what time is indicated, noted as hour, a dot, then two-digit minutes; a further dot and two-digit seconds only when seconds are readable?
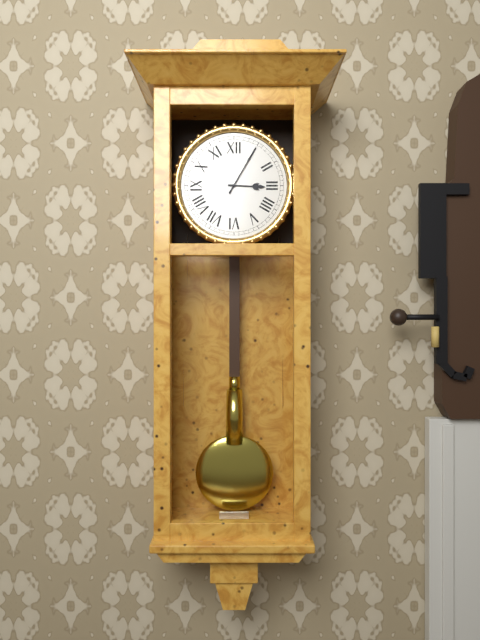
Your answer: 3.05
